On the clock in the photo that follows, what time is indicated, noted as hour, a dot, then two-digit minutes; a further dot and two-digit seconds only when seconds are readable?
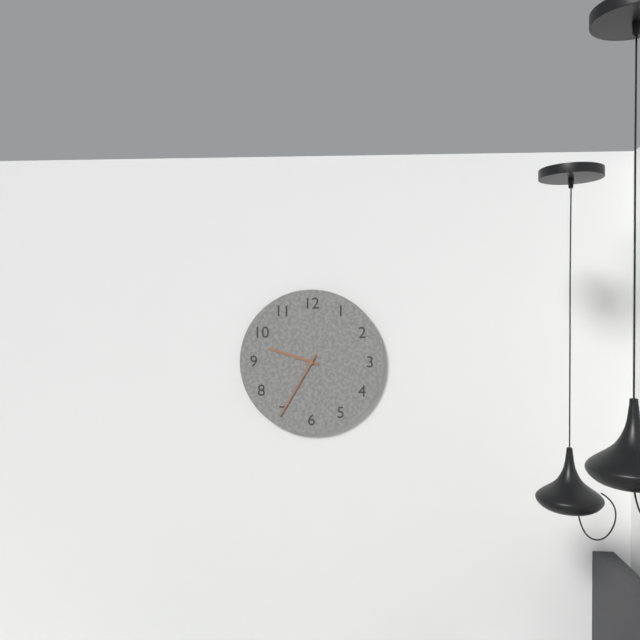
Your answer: 9.35
